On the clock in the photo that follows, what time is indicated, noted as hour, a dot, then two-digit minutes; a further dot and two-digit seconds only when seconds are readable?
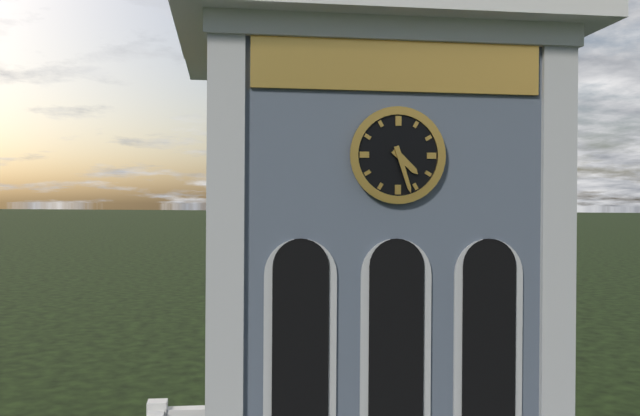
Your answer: 4.27
